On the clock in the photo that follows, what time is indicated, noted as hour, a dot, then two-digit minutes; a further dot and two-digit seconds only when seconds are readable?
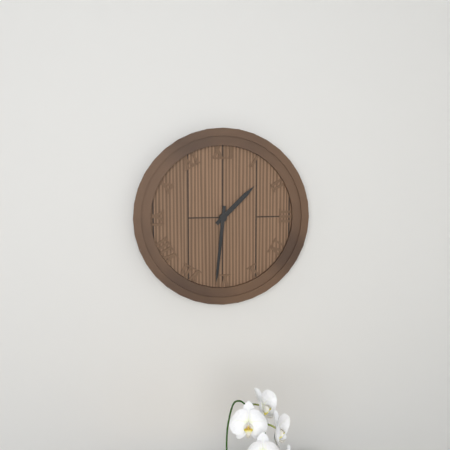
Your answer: 1.31
